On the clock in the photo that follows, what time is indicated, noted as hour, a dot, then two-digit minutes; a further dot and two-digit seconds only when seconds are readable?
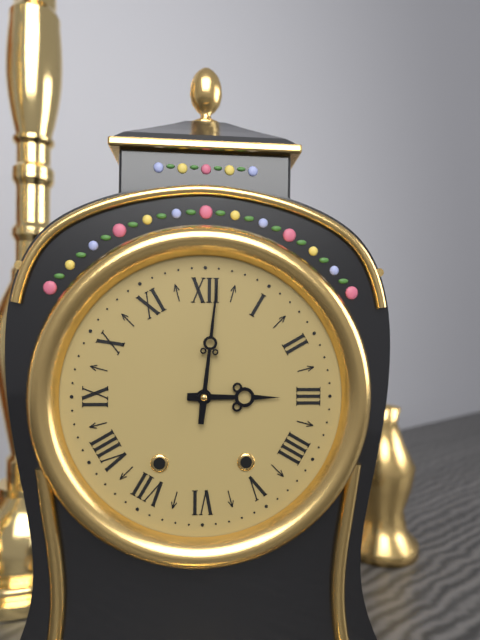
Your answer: 3.01
